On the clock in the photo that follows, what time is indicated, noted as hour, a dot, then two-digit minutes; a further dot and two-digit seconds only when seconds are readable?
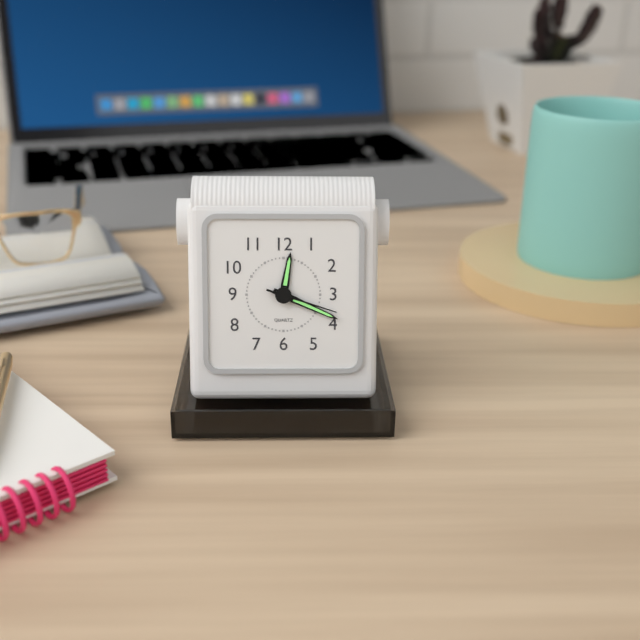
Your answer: 12.19.18
